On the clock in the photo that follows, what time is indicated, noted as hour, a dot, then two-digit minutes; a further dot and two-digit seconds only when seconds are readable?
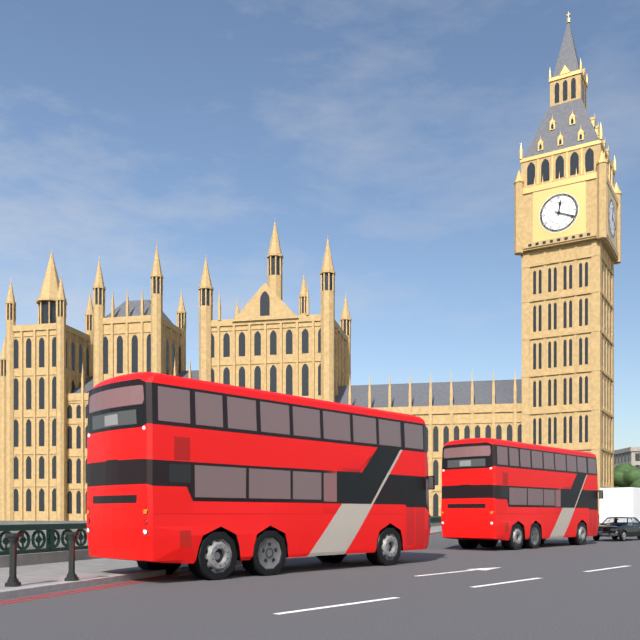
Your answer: 12.19
